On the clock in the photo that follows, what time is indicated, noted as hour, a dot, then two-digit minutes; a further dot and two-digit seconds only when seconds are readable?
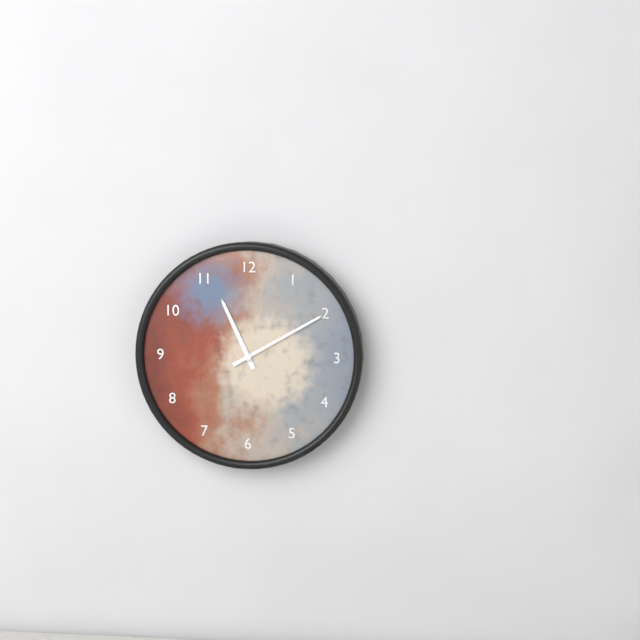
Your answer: 11.10
